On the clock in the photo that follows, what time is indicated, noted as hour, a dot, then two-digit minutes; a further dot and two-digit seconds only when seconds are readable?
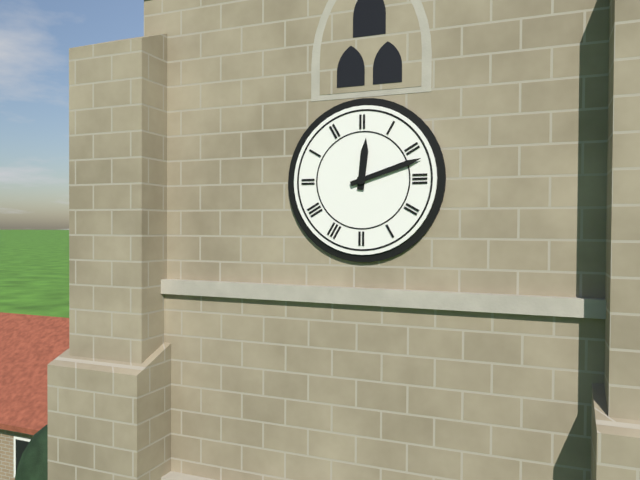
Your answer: 12.12
